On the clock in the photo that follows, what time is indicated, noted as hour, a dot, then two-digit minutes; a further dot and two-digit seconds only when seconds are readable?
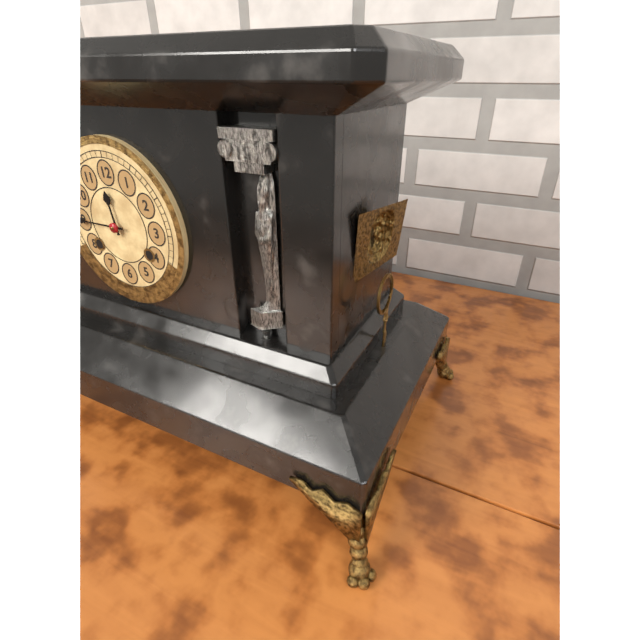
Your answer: 11.45
